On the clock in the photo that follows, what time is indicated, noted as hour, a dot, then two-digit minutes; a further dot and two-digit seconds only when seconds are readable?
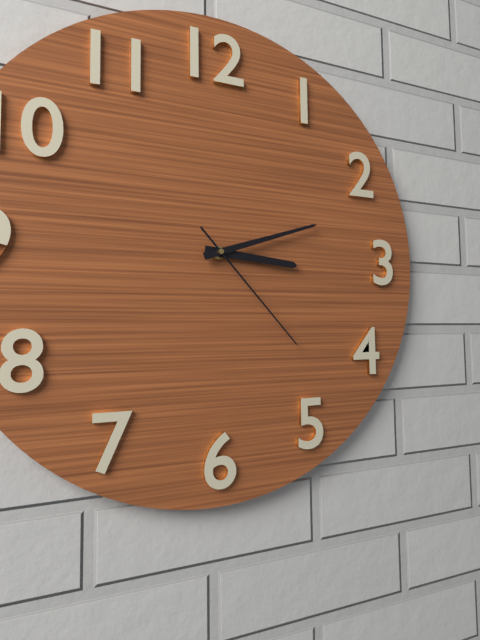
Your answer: 3.12.23
